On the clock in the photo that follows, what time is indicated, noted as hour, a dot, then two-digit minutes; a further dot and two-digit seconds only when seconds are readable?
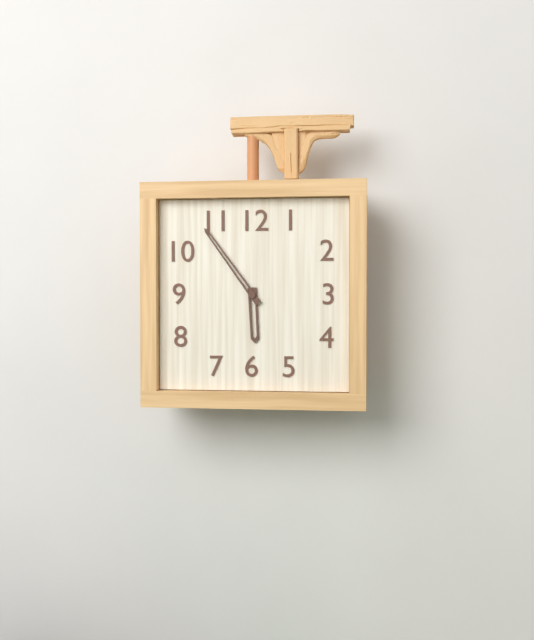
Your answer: 5.54
